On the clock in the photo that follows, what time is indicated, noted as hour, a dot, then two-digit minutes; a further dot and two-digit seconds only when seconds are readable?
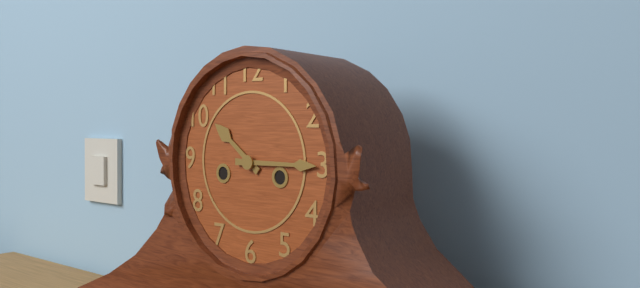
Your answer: 10.15
